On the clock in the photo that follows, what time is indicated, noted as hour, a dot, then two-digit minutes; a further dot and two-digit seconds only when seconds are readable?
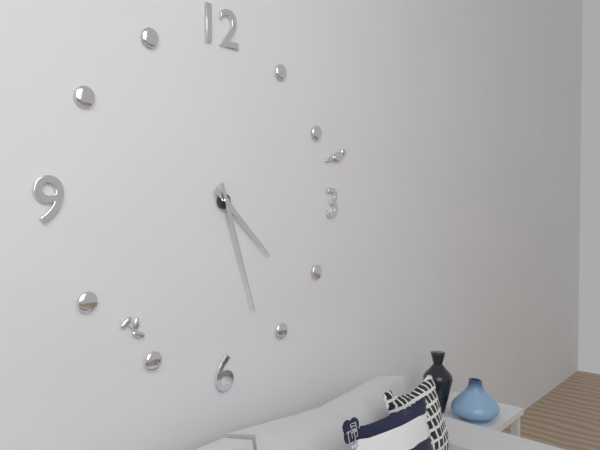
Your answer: 4.27
